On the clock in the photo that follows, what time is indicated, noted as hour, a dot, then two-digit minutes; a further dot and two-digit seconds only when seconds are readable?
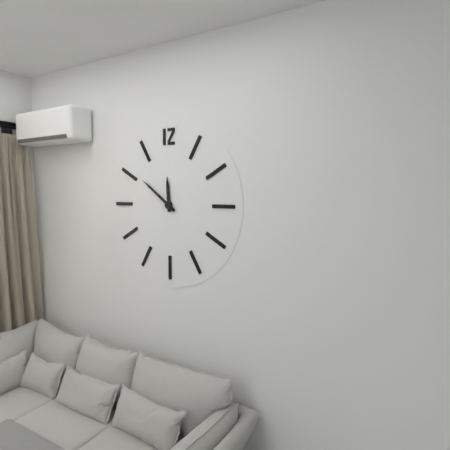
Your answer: 11.51
